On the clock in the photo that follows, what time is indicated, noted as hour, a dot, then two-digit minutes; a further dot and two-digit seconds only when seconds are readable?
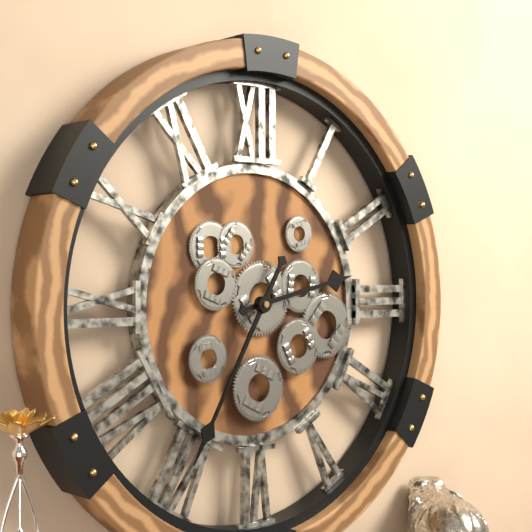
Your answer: 2.35
